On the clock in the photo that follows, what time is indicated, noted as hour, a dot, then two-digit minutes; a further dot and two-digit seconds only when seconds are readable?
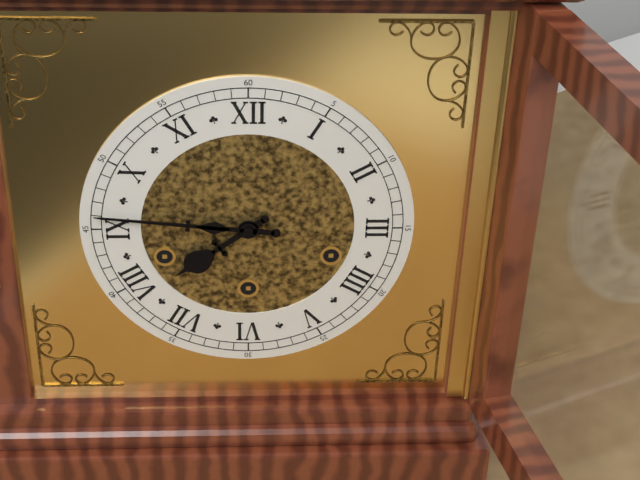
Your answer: 7.46
